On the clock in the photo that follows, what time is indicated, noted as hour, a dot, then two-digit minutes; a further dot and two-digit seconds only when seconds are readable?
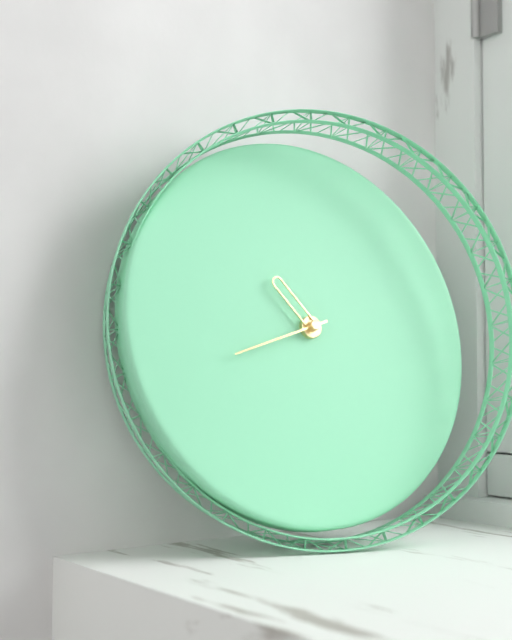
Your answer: 10.42
